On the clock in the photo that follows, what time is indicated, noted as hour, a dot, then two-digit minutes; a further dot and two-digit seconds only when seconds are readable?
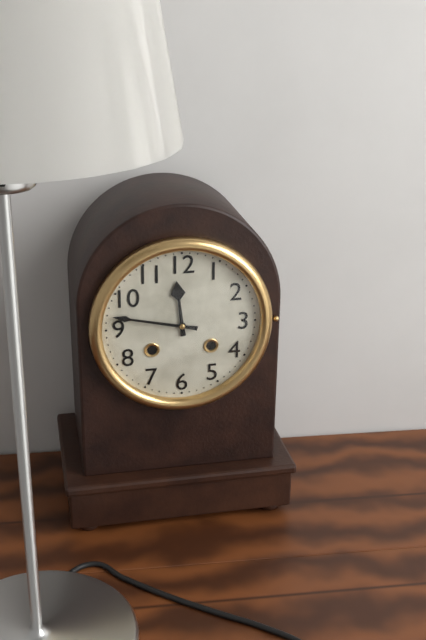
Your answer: 11.47
